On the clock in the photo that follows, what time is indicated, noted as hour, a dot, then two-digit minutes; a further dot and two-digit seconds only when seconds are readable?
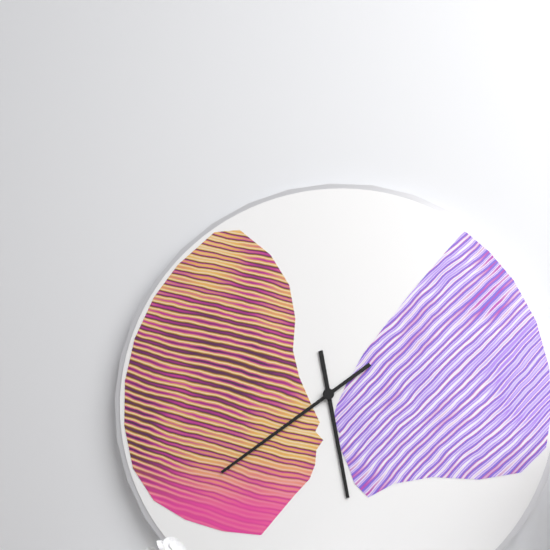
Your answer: 5.39
